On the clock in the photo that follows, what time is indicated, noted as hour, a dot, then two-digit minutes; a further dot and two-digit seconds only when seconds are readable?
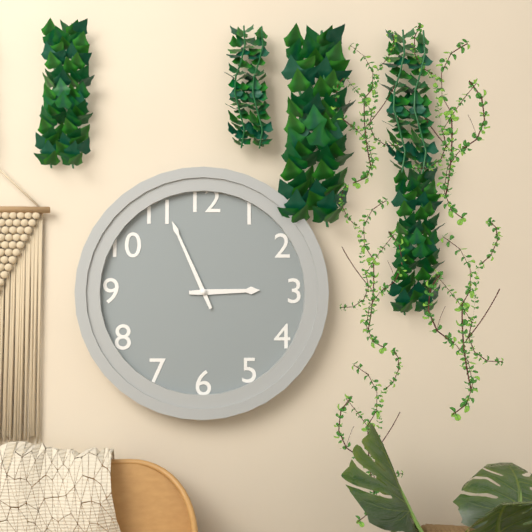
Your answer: 2.56
